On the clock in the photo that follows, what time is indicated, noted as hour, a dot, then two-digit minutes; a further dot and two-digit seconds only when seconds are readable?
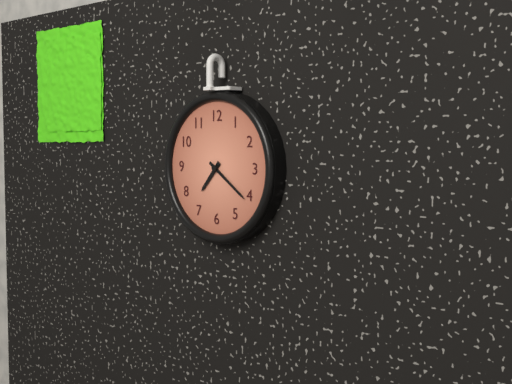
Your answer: 7.21
